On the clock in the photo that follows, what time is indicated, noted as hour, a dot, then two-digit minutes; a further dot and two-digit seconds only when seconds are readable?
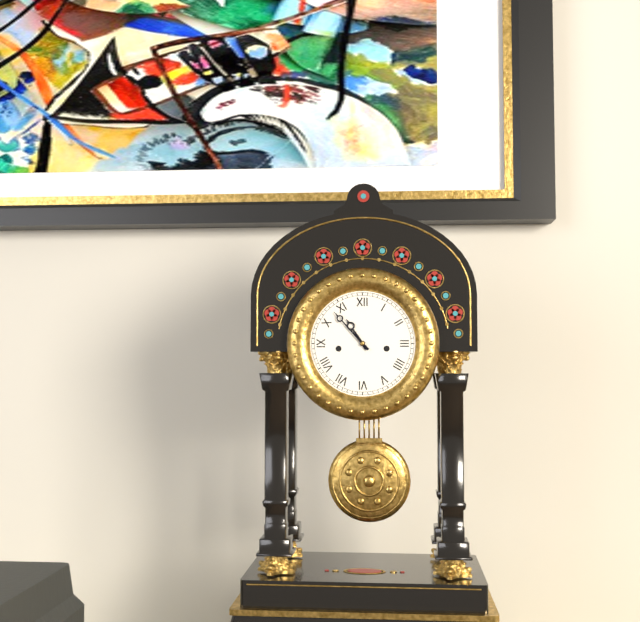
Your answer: 10.53
